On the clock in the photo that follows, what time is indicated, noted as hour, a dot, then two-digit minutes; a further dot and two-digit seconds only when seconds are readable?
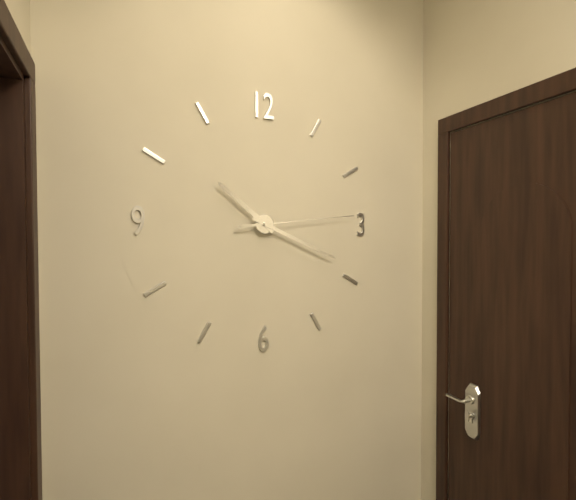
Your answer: 10.19.14
